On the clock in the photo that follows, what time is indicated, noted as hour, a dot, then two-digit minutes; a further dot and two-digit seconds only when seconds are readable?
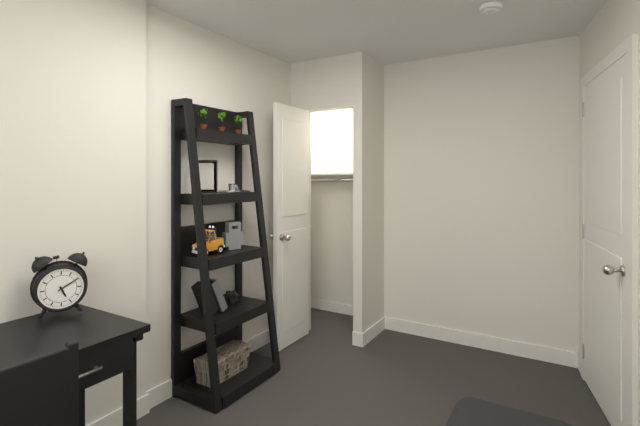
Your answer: 5.10
